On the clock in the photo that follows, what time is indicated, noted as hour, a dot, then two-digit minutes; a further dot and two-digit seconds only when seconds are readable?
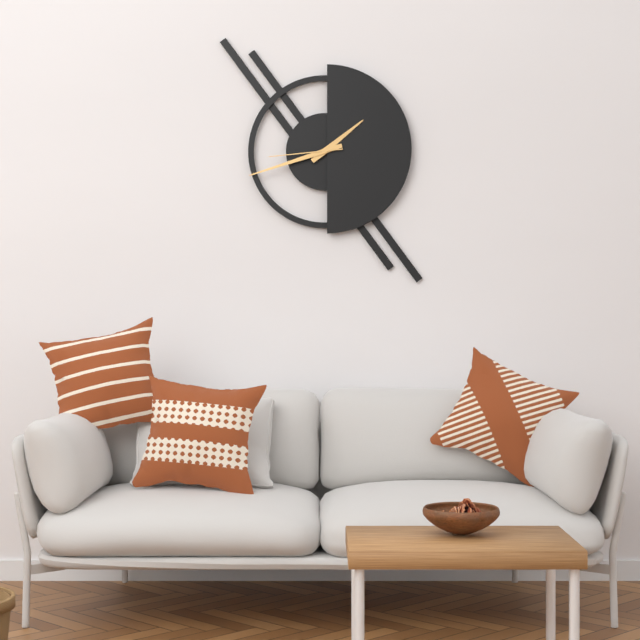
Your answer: 1.42.44
